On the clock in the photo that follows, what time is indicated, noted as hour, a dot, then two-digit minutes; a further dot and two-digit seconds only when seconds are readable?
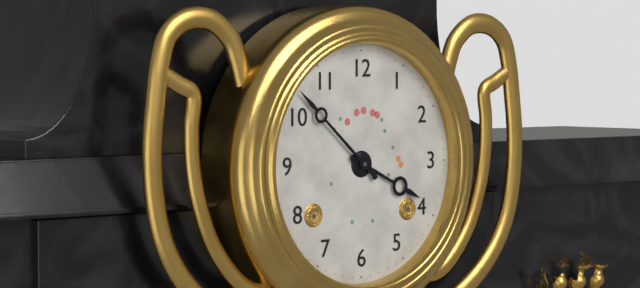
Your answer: 3.52
